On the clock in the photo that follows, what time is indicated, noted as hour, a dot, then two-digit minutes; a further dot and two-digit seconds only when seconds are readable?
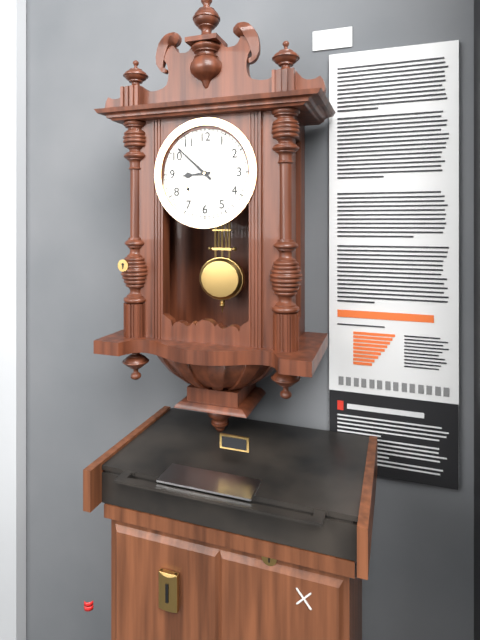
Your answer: 8.52
